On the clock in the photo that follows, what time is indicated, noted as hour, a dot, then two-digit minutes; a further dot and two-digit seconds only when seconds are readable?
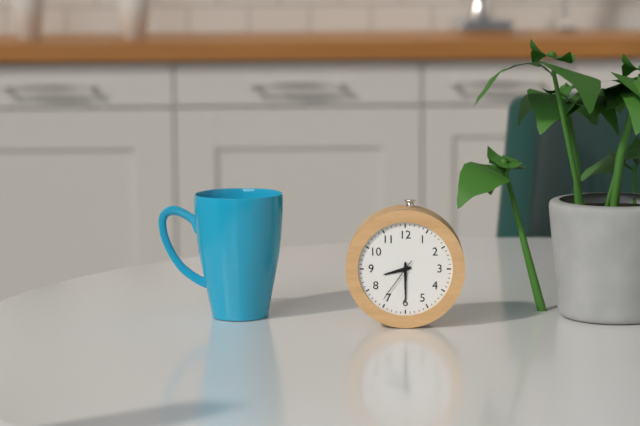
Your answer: 8.30
